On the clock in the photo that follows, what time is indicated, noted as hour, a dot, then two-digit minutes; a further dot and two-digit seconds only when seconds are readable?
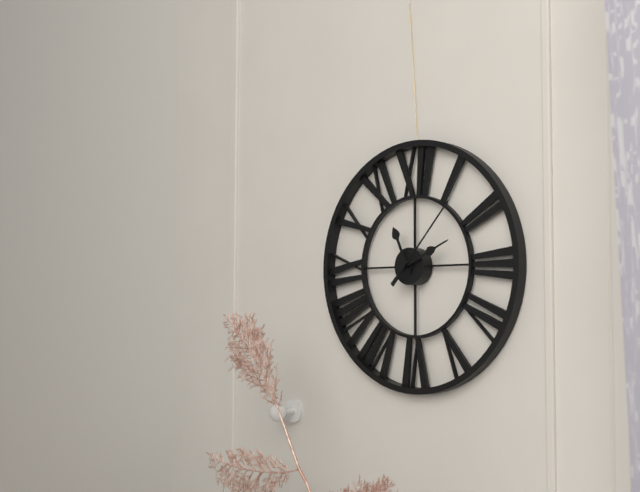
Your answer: 11.11.07
